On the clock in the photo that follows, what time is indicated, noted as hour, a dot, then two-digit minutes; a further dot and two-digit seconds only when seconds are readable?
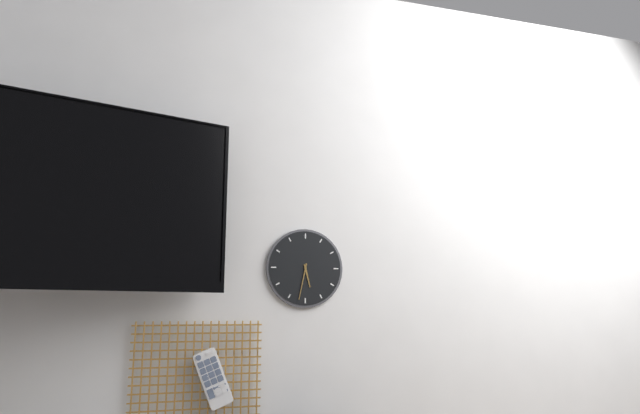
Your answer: 5.32
